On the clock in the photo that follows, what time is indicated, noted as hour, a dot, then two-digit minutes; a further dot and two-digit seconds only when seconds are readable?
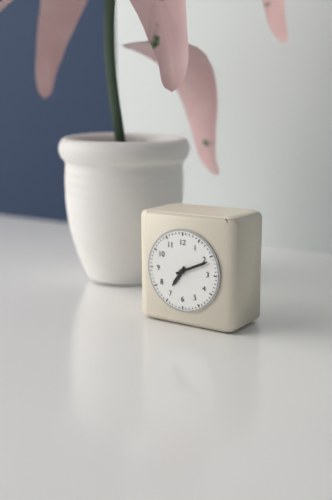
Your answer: 7.11
